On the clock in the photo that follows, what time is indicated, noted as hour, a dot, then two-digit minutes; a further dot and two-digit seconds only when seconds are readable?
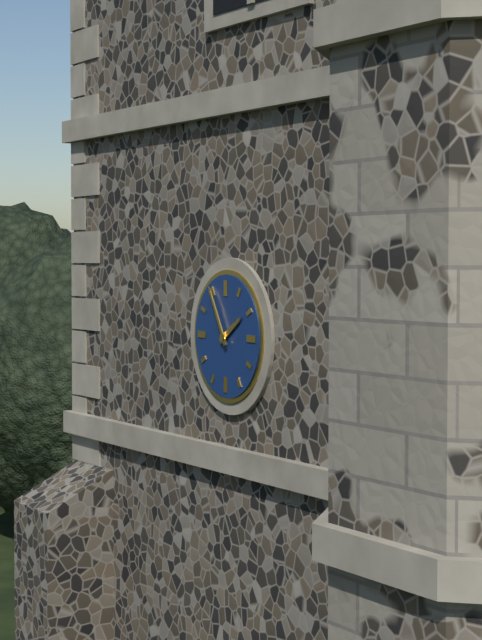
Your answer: 1.55
